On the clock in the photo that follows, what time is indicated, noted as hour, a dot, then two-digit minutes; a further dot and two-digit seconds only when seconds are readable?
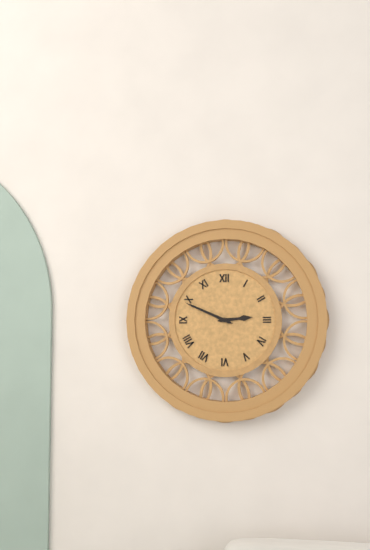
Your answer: 2.49
